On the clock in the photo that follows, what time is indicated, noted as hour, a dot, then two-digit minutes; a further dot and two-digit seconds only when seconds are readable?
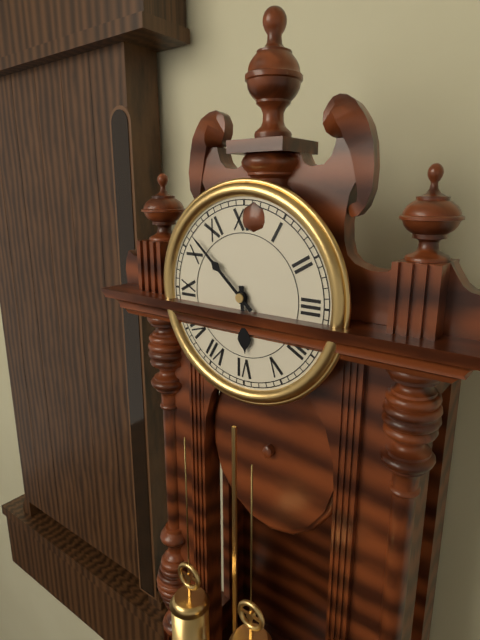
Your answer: 5.52
